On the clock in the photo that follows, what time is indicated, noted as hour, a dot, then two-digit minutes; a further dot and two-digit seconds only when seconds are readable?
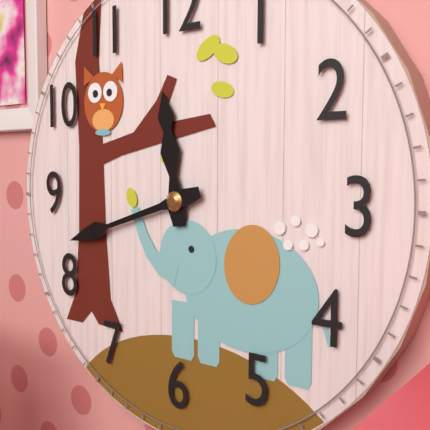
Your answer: 11.42
